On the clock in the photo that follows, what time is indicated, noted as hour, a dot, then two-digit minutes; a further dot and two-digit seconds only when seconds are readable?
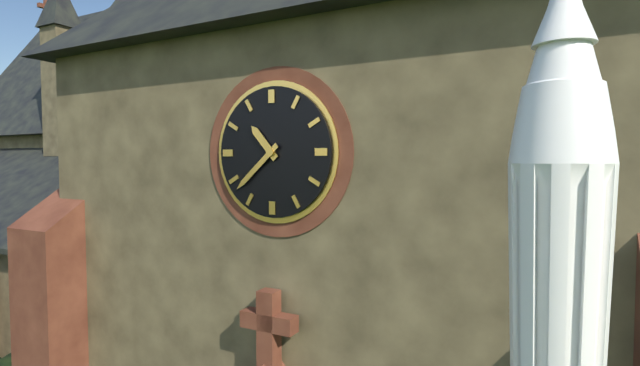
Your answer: 10.38
